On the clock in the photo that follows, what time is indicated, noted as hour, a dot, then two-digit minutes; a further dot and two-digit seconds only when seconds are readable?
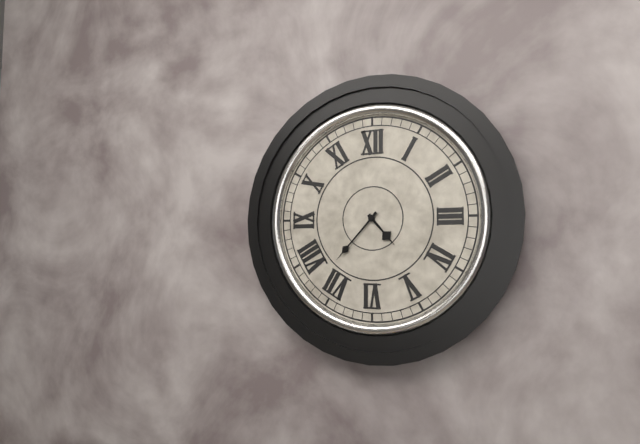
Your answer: 4.37
